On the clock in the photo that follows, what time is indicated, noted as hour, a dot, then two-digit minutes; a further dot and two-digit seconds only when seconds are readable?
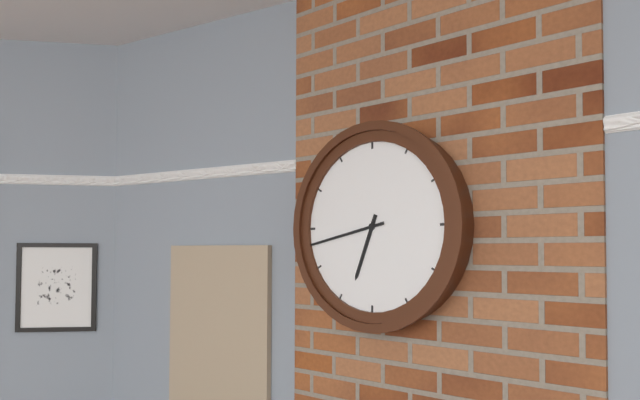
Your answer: 6.43
